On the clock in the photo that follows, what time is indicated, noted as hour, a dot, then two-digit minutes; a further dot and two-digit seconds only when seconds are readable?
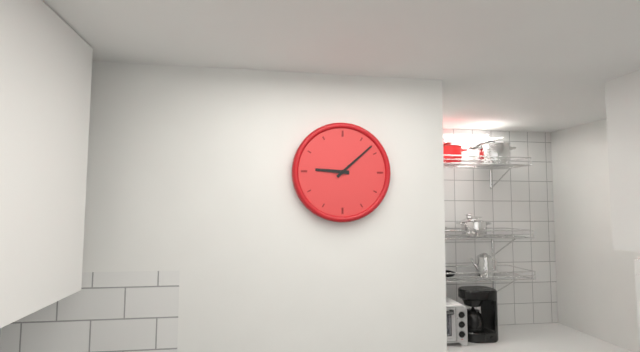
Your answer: 9.08
